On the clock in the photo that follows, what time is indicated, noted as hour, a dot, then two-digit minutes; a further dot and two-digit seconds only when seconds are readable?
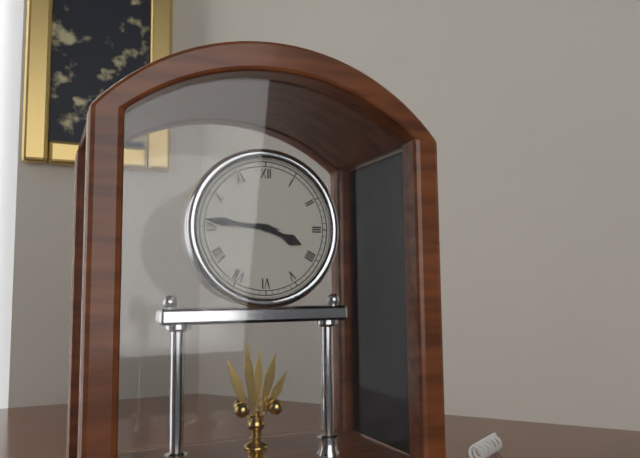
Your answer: 3.46
